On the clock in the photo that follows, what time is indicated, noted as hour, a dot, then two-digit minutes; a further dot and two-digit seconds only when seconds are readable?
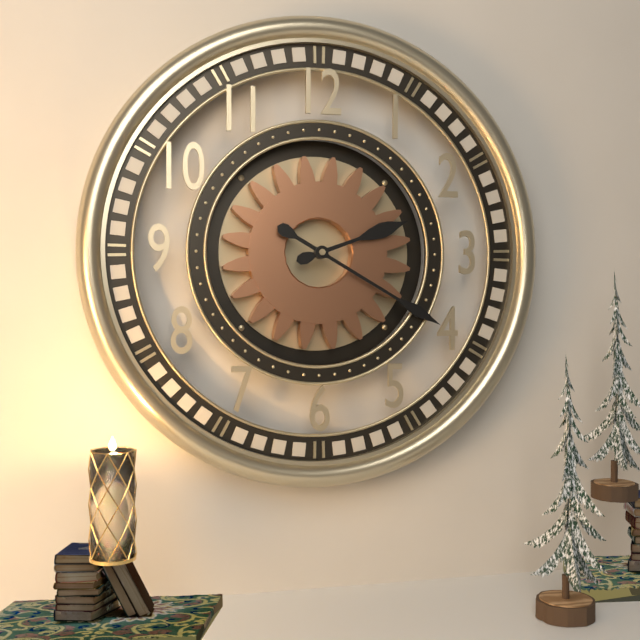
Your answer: 2.20
